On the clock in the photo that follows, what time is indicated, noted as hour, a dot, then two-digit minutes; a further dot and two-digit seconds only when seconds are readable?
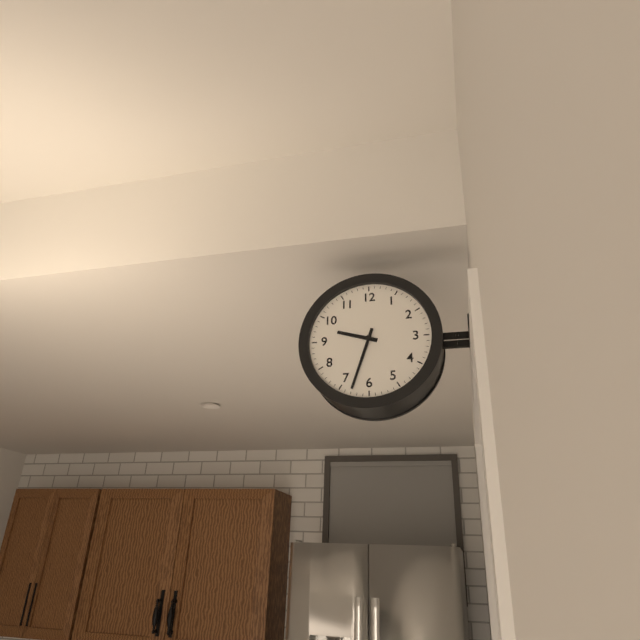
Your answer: 9.33
